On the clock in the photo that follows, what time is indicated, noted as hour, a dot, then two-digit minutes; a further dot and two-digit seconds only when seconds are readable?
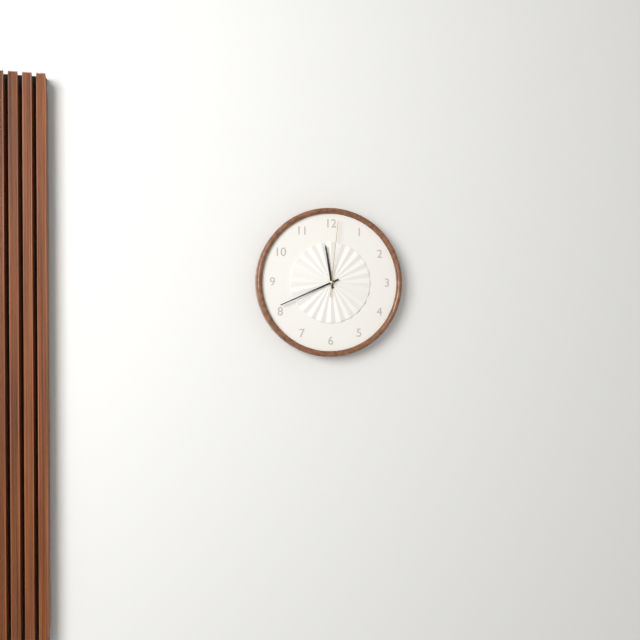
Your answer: 11.41.01
